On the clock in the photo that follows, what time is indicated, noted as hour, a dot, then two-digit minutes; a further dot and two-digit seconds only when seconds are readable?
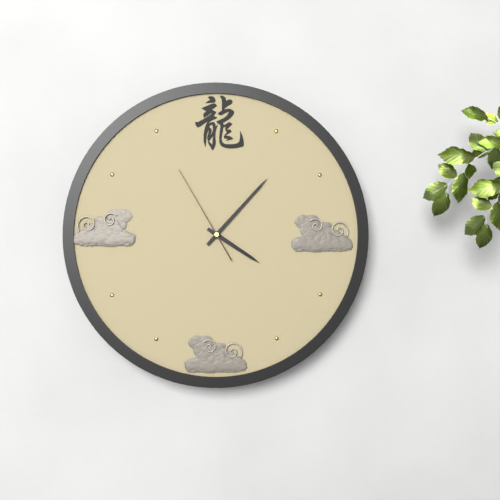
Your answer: 4.07.55
